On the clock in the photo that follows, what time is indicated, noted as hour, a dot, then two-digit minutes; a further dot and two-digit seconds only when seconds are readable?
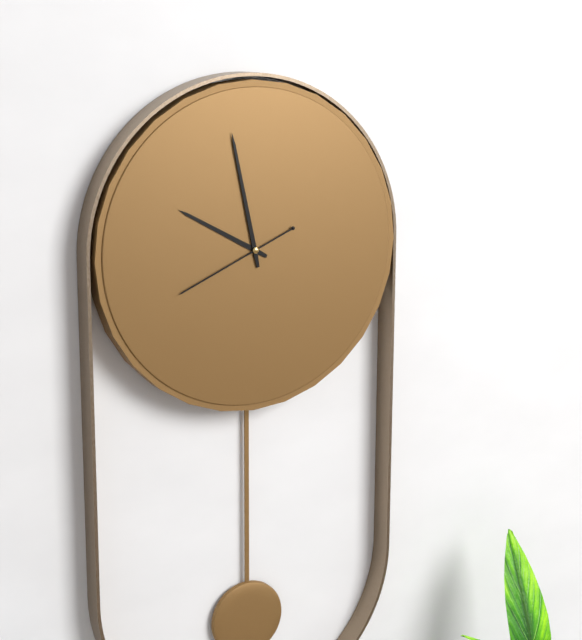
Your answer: 9.58.41
